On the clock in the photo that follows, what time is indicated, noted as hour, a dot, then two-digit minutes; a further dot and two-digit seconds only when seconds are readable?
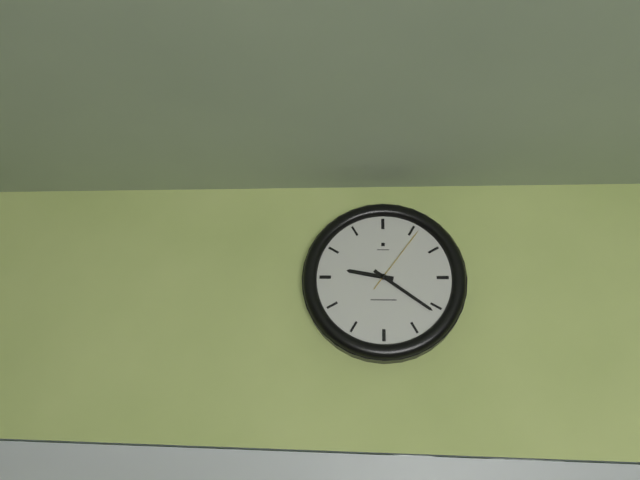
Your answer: 9.21.06
